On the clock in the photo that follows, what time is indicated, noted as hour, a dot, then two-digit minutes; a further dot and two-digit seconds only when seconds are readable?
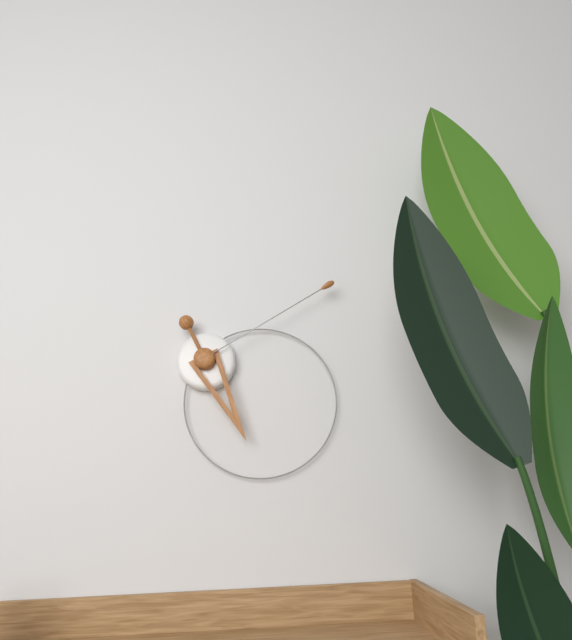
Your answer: 5.10
